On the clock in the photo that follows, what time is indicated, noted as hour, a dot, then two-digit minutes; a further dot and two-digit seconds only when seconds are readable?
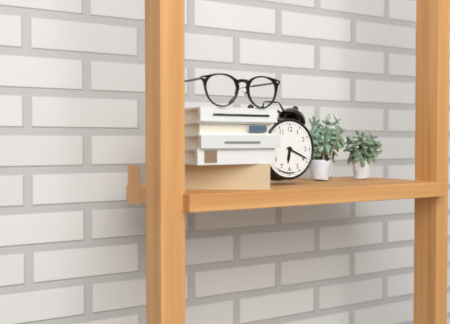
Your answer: 6.19
